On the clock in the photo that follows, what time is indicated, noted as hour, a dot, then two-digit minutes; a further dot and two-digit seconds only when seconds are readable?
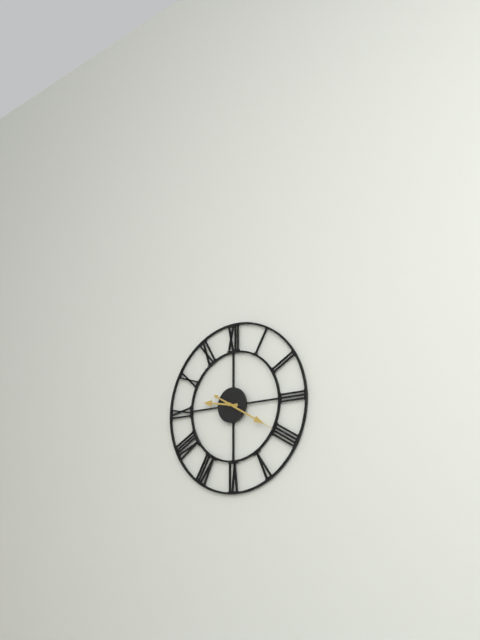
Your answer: 9.20
